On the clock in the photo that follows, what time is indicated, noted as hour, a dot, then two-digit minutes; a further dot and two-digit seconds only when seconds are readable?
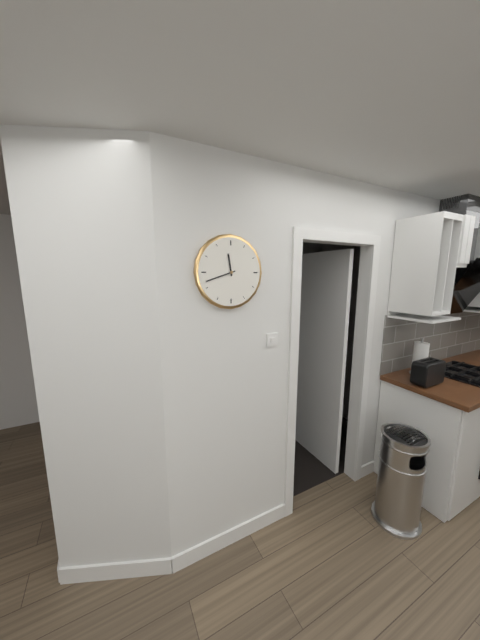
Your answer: 11.42
